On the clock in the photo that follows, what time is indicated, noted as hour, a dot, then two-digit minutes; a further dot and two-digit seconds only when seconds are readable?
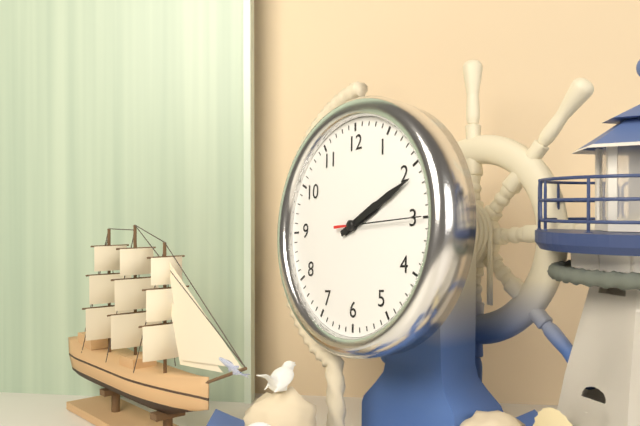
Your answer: 2.11.15
